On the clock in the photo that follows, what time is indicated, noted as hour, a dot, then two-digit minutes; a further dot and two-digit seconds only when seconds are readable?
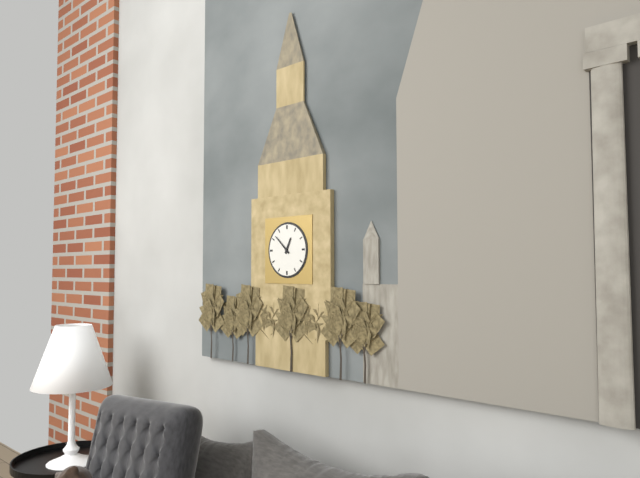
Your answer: 12.52
